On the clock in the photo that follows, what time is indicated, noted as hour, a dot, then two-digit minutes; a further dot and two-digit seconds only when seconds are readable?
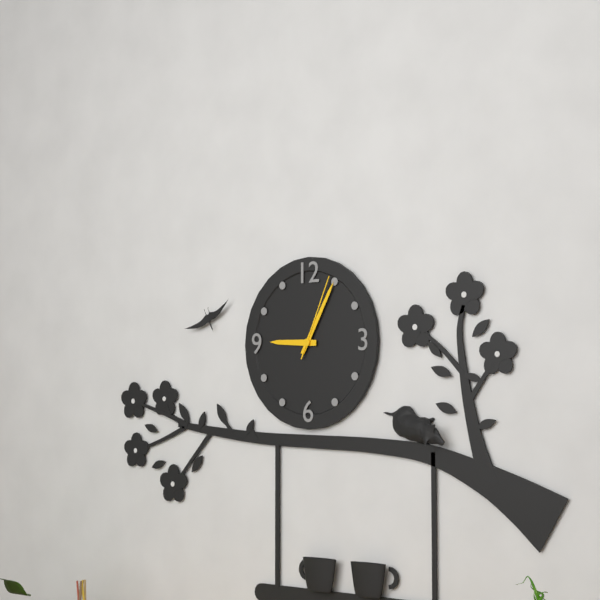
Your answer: 9.05.04
